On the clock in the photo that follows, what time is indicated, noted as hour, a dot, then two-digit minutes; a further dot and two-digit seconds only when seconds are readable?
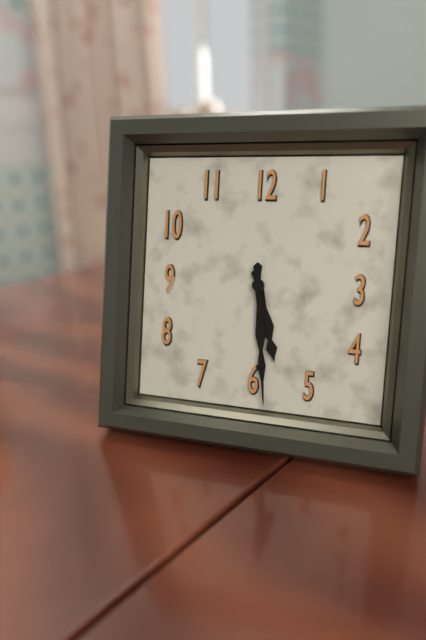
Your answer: 5.29
